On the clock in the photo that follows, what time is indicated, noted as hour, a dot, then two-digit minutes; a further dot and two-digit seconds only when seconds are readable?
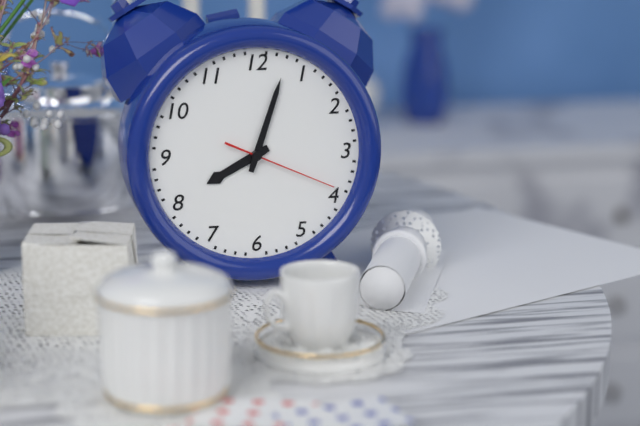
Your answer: 8.03.19
